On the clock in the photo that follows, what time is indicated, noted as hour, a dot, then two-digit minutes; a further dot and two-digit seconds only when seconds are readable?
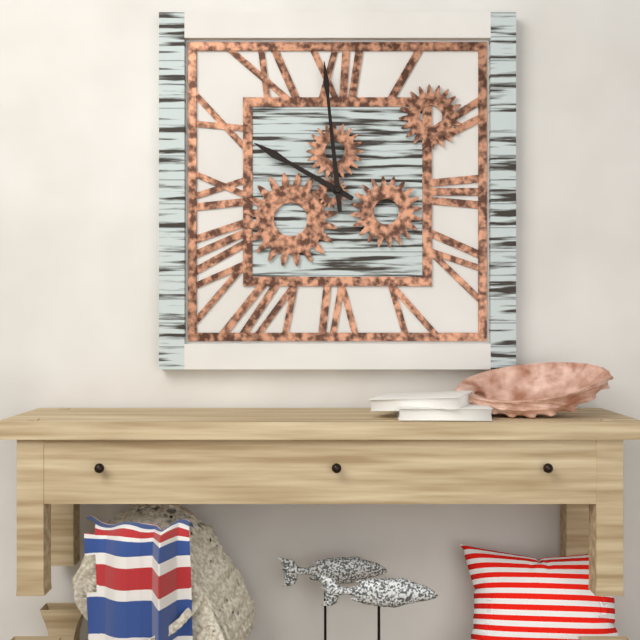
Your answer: 9.59
